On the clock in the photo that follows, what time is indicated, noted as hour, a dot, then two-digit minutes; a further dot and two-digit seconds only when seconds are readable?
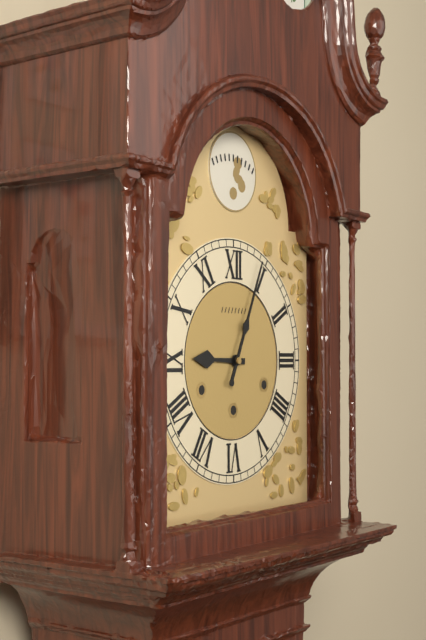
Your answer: 9.04
